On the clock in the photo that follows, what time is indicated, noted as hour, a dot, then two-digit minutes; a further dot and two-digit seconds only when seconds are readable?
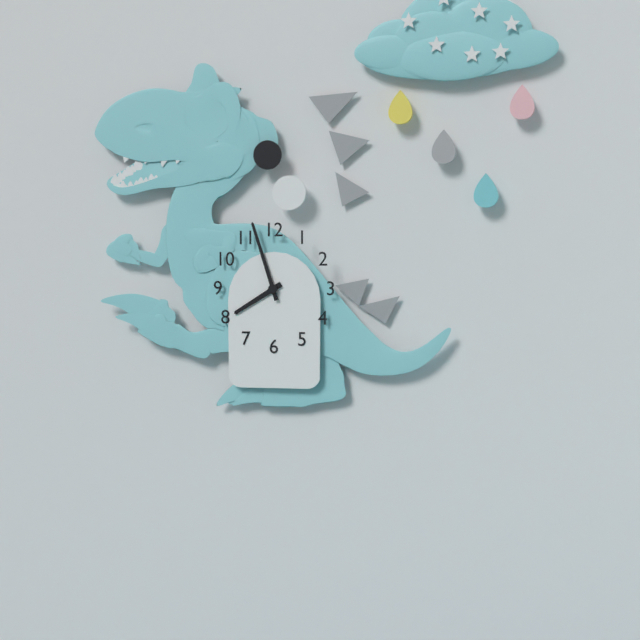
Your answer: 7.57
